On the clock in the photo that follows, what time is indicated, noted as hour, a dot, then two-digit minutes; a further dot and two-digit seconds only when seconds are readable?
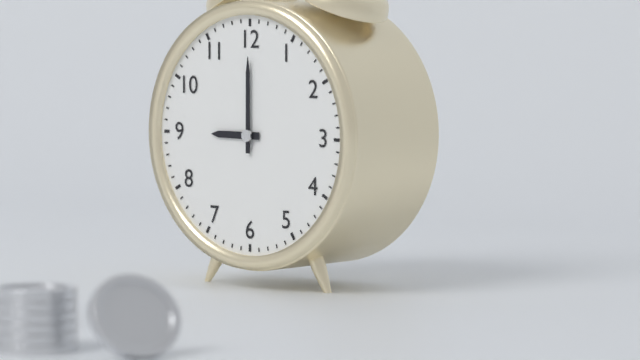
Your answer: 9.00
